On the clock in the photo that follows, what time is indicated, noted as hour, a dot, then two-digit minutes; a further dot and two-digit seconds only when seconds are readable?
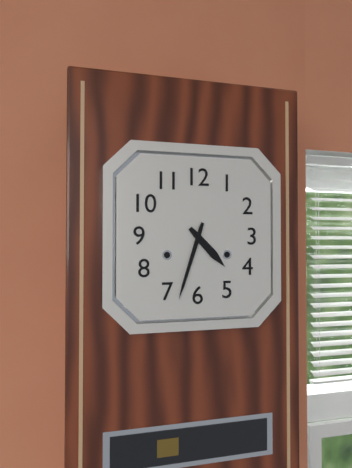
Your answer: 4.33
